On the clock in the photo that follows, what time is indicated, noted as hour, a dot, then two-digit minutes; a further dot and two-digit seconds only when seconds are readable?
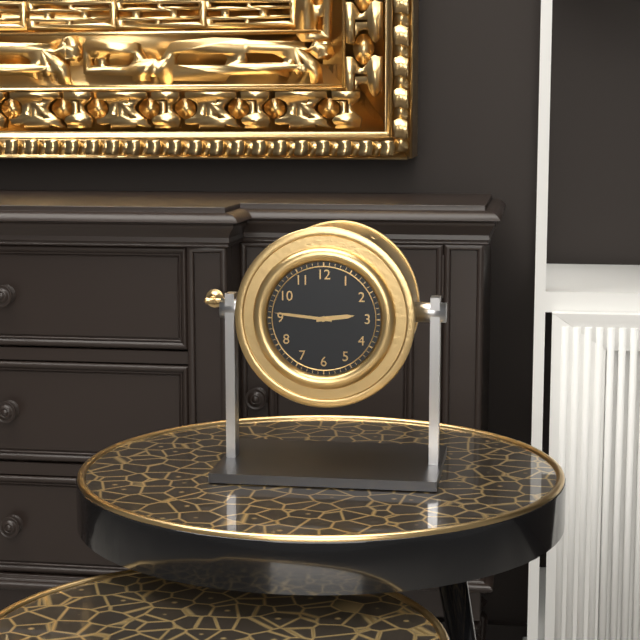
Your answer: 2.46
